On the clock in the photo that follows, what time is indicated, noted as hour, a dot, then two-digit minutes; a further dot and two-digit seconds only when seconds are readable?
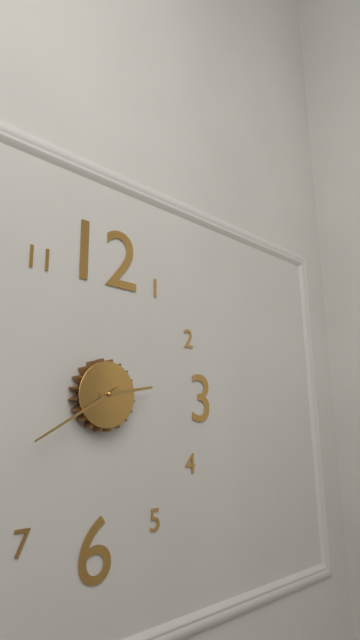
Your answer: 2.40
